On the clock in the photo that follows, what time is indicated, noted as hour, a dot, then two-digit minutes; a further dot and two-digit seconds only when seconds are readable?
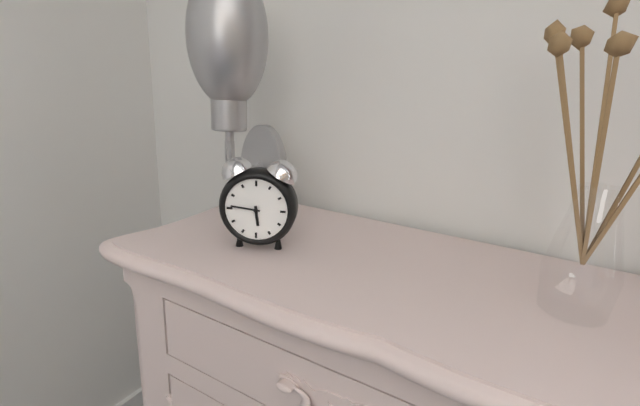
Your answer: 5.46
